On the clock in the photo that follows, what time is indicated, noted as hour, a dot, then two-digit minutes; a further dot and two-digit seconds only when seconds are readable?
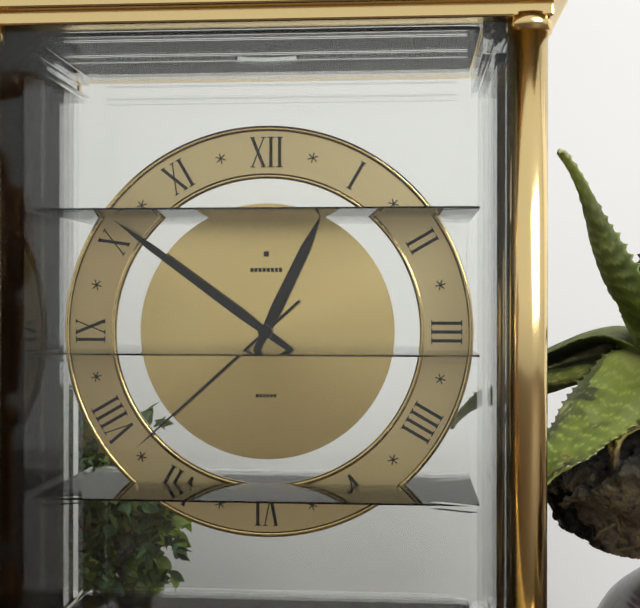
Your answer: 12.51.38
